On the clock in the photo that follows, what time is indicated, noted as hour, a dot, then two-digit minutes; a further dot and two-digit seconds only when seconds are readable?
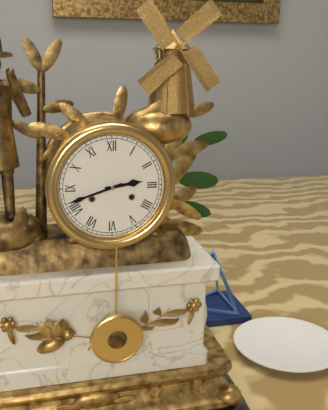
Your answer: 2.42
